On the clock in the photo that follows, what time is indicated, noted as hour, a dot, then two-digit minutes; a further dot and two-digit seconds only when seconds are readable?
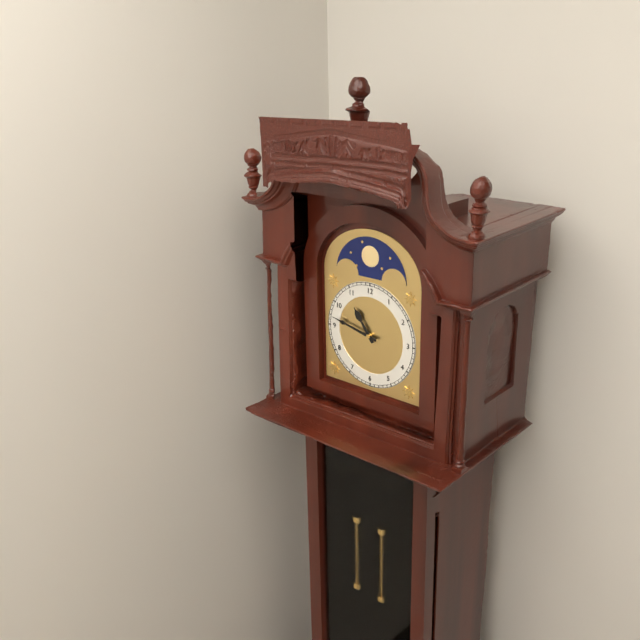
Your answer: 10.47
